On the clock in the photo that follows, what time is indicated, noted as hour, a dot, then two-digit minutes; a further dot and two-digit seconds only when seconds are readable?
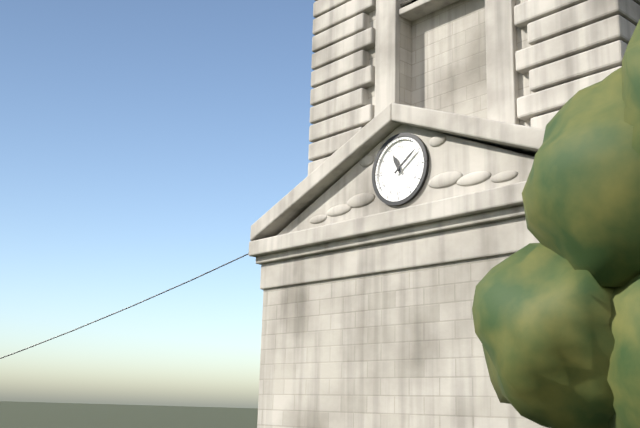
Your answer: 11.09
